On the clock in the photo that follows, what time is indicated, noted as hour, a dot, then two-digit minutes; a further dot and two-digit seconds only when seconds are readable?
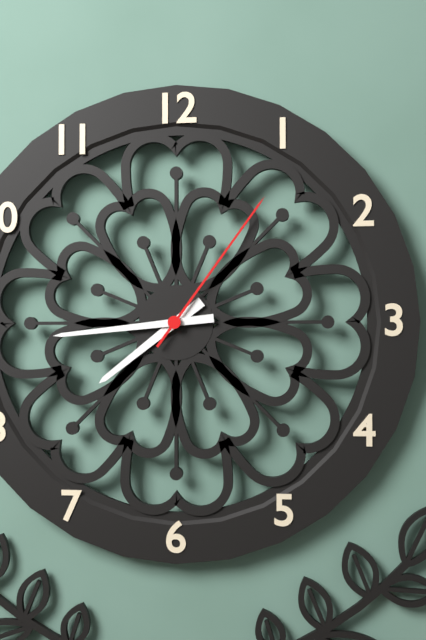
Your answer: 7.44.06
